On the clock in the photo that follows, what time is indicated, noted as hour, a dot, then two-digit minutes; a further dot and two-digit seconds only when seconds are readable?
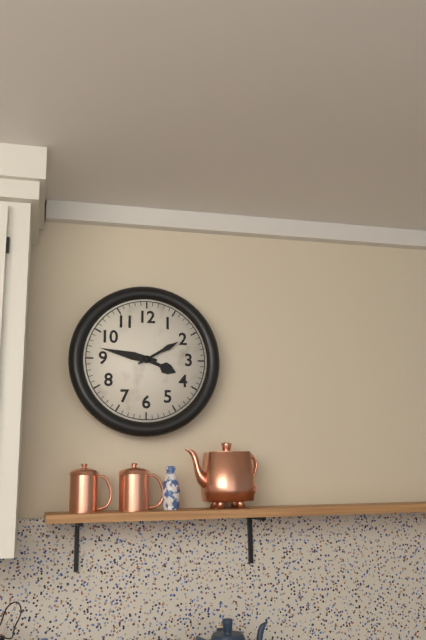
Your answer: 3.47
